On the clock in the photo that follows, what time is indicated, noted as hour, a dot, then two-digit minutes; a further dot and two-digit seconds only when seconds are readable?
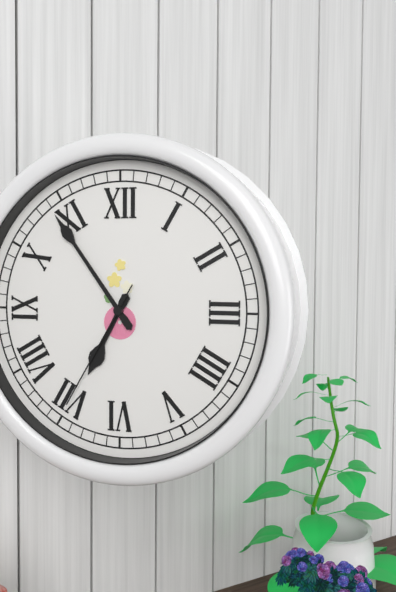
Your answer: 6.54.35
